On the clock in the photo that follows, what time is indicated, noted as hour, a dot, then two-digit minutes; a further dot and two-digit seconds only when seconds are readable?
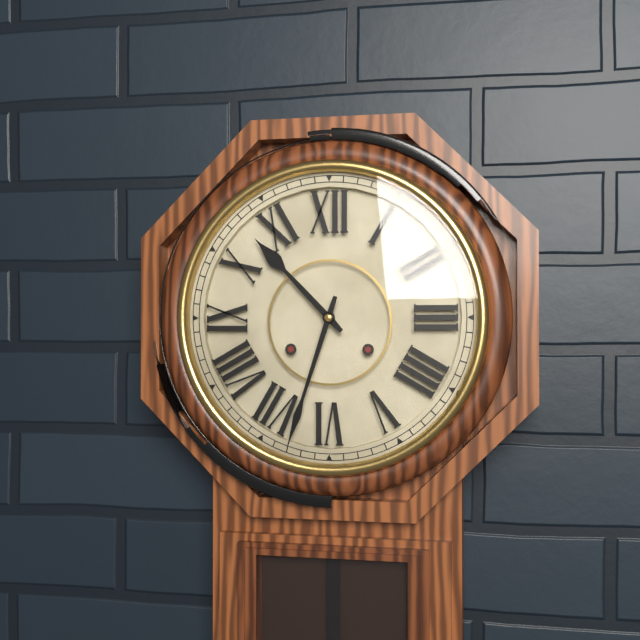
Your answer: 10.33
